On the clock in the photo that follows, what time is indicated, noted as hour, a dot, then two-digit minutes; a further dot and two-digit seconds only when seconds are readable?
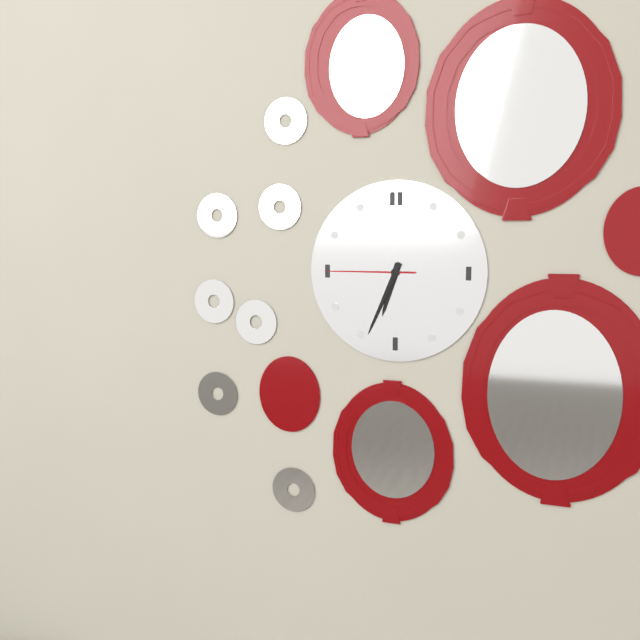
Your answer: 6.34.45
